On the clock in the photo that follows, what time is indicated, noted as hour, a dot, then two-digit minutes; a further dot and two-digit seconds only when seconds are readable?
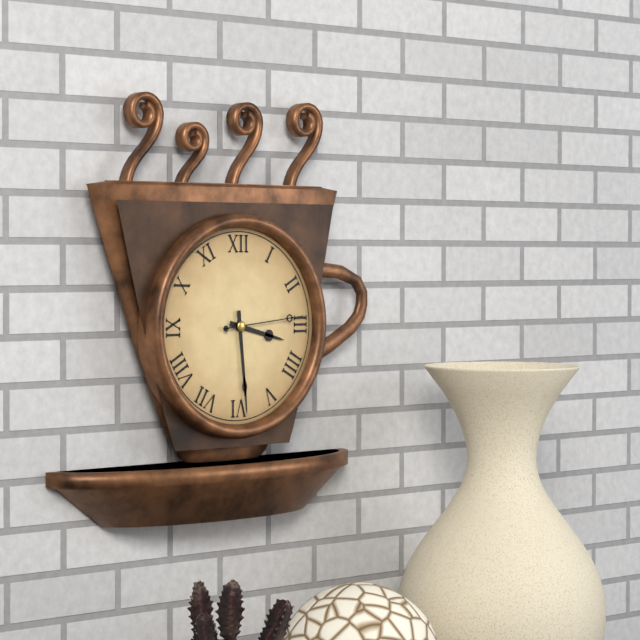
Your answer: 3.29.14
